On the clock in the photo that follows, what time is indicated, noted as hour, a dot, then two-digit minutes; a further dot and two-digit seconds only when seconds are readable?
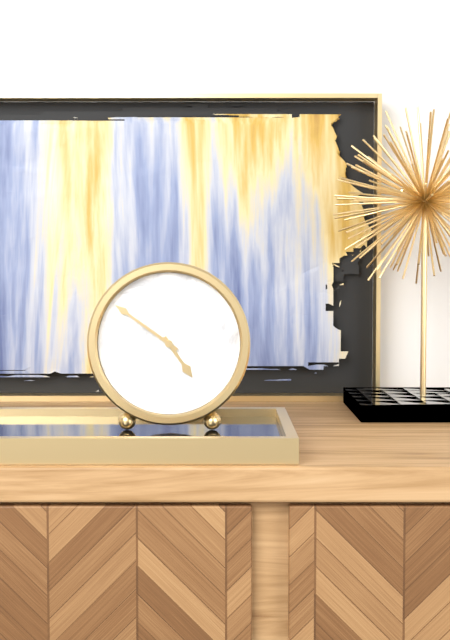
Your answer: 4.51
